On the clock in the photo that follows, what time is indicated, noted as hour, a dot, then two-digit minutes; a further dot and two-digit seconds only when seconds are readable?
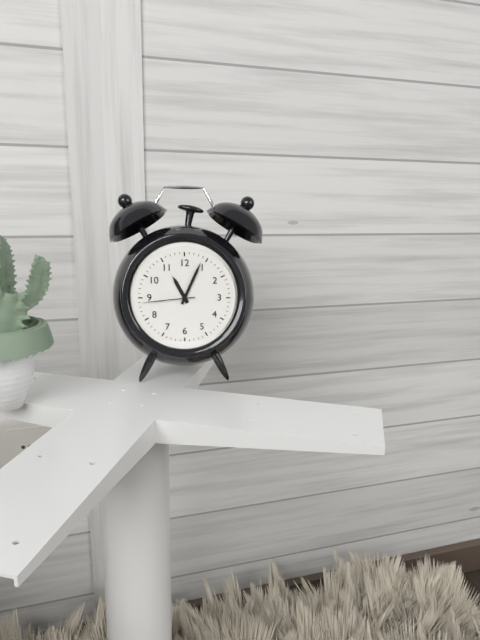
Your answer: 11.04.44
